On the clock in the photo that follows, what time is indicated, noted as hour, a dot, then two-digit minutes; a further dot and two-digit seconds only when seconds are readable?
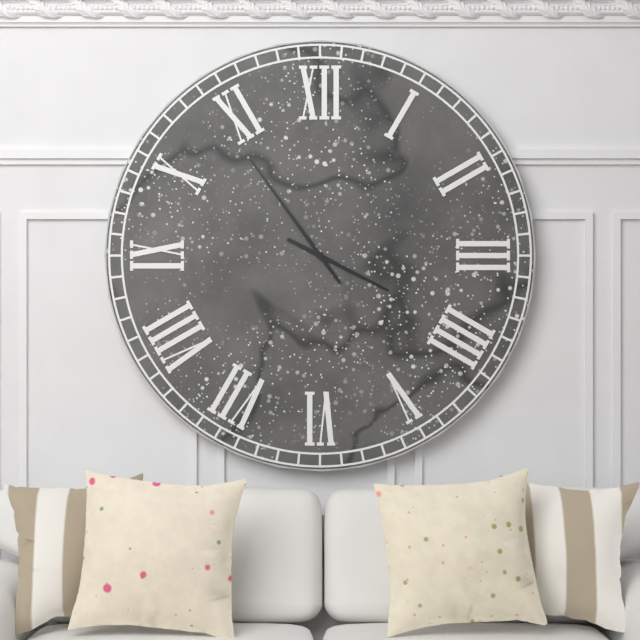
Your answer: 3.54
